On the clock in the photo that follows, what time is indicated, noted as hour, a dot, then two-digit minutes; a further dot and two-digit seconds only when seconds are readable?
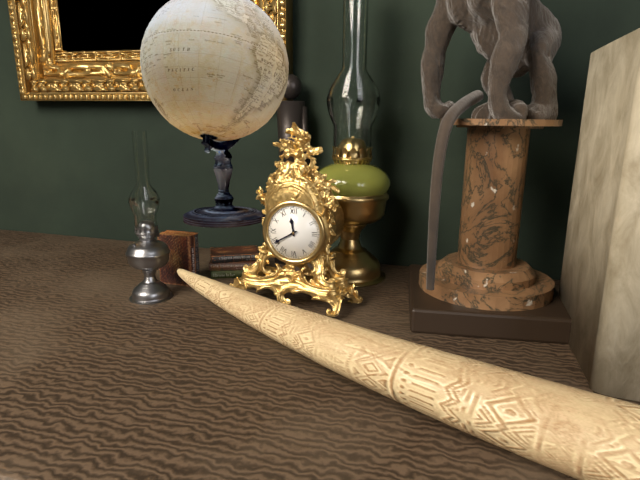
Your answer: 11.40
